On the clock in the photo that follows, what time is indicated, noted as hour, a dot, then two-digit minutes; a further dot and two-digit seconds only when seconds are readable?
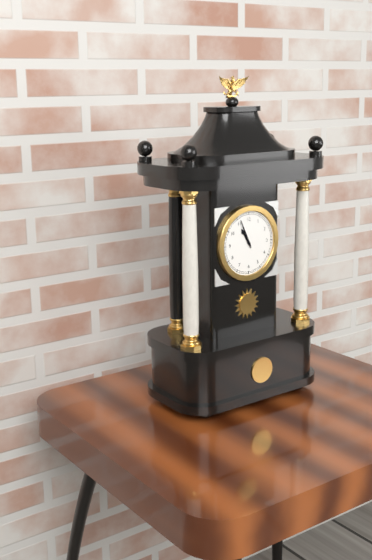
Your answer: 10.56
